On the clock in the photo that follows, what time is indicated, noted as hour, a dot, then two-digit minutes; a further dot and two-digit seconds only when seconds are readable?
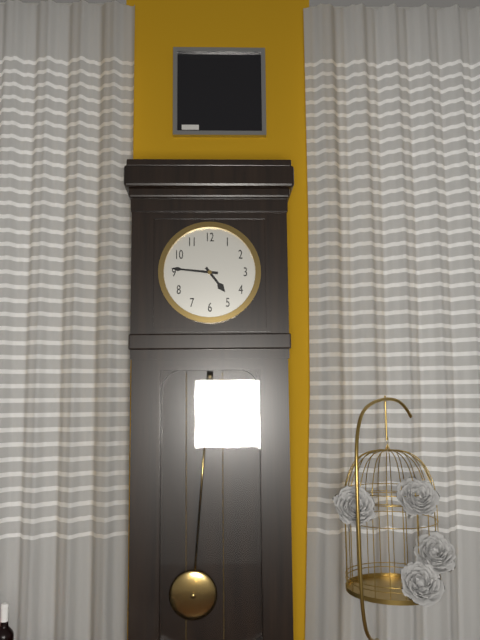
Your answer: 4.46
